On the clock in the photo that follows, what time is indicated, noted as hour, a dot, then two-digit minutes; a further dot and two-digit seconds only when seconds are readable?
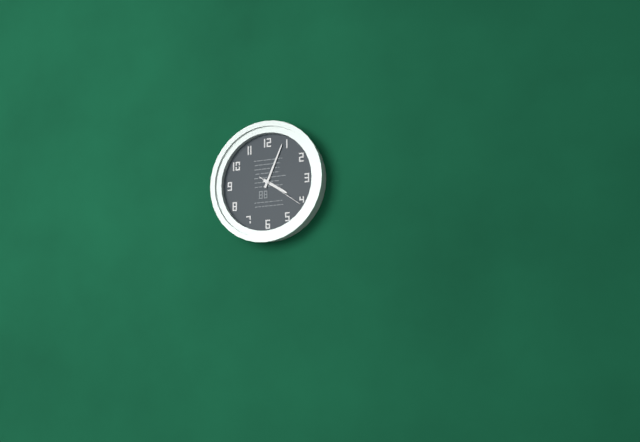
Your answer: 4.04.21
